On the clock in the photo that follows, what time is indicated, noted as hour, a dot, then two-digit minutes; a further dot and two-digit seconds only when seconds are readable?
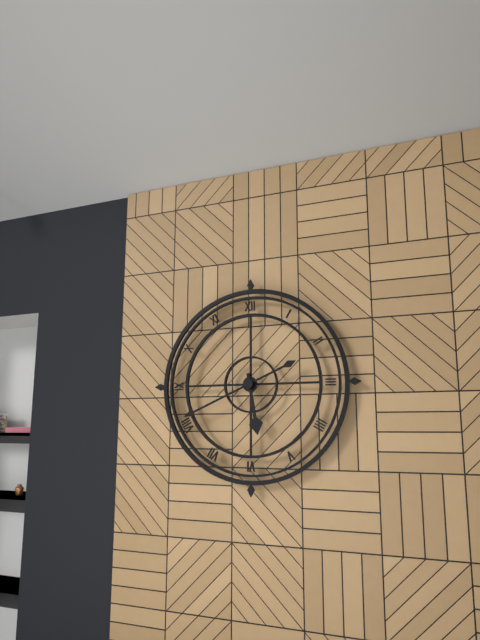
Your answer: 5.41
